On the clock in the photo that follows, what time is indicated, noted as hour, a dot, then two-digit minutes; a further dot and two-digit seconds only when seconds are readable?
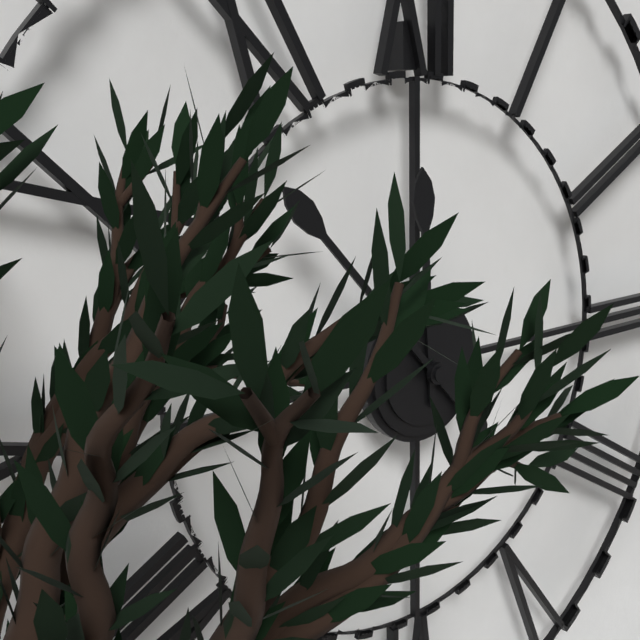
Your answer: 11.53
